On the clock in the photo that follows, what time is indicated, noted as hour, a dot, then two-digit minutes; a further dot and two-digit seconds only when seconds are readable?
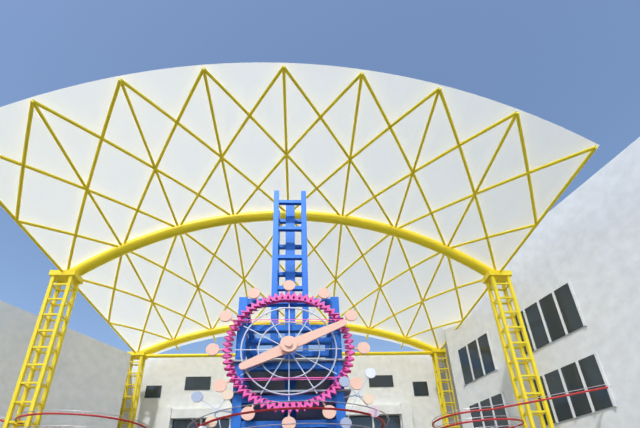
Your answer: 8.11
